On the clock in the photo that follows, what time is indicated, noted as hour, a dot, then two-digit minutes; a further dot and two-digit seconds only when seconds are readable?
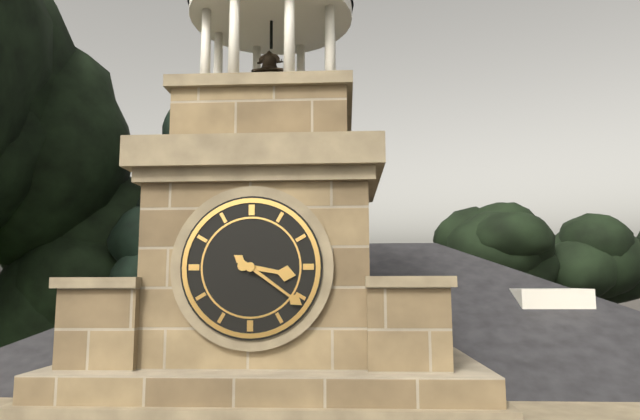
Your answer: 3.21
